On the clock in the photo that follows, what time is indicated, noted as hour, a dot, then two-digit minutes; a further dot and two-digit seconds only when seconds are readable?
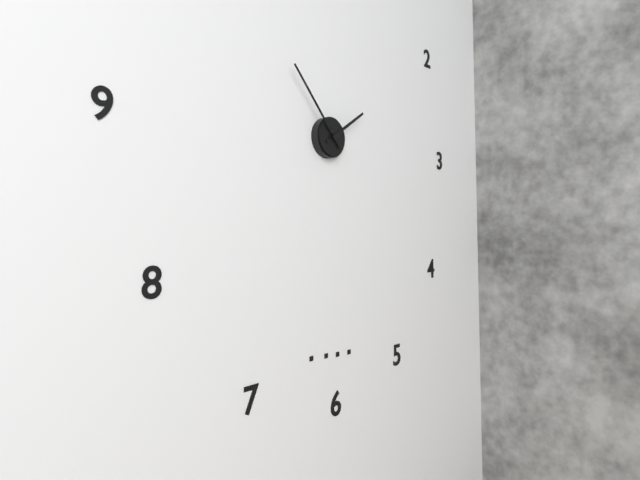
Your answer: 1.53
